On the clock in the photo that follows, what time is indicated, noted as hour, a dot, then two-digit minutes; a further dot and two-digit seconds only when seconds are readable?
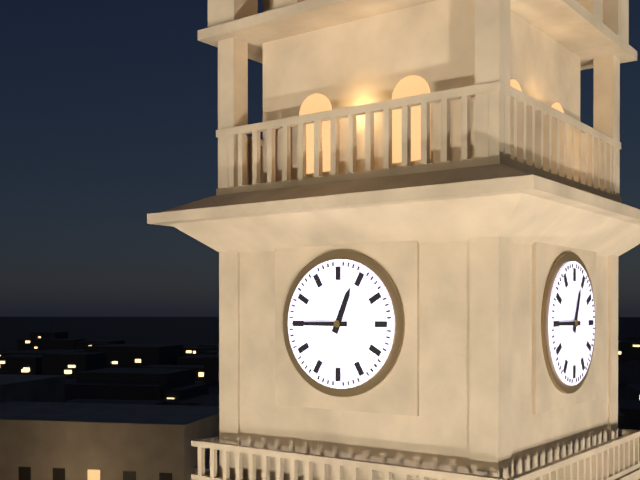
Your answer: 12.45
